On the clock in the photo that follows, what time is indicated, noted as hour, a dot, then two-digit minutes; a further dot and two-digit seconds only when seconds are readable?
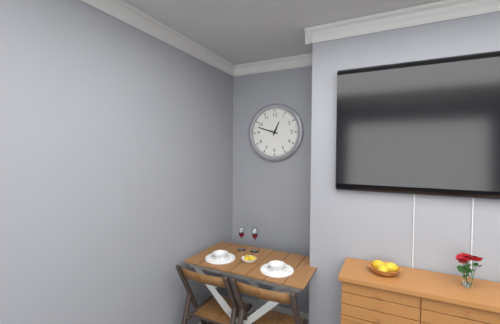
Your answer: 12.48
